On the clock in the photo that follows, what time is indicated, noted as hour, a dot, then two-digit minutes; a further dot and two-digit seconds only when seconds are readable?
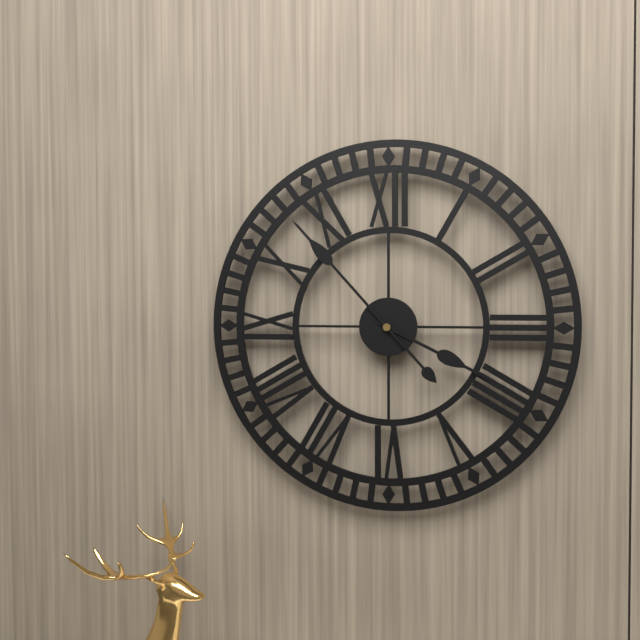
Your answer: 3.53
